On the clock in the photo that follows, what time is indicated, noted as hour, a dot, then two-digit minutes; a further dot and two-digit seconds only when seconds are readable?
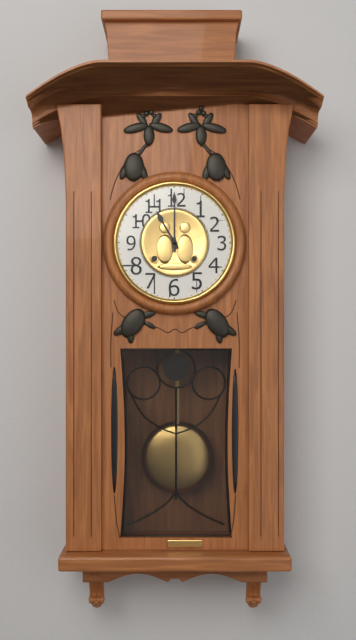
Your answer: 11.00
